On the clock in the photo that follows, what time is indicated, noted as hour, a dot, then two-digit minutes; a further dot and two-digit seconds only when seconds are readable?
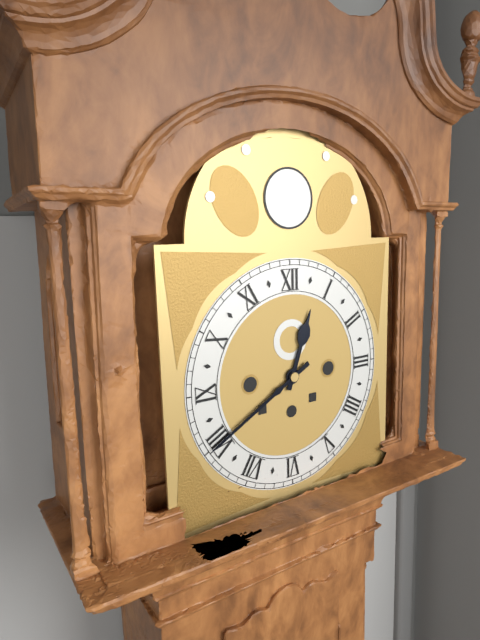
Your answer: 12.40
